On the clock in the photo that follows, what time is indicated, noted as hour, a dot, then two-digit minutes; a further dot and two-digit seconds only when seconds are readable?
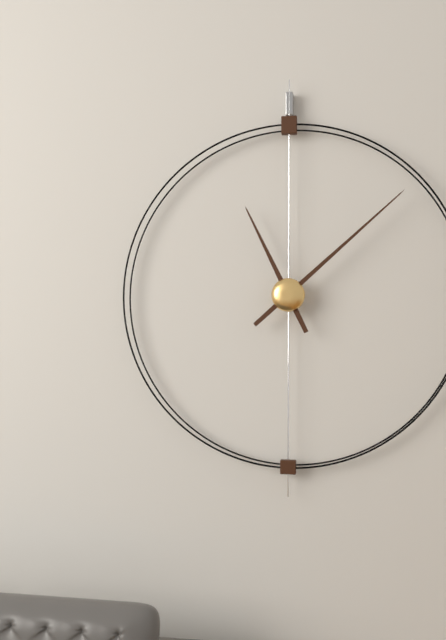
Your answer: 11.08
